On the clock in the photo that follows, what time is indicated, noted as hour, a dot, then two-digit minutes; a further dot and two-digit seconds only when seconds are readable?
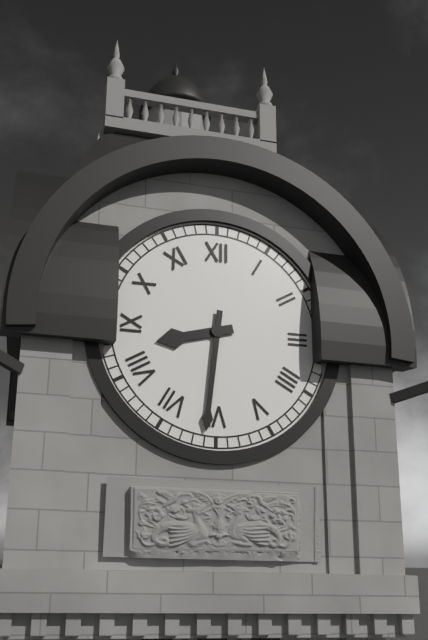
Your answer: 8.31
